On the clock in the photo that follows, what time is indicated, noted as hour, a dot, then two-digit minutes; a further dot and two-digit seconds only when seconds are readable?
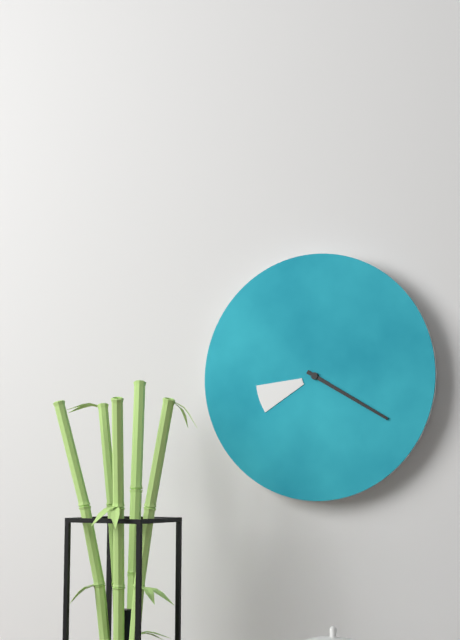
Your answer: 8.20
